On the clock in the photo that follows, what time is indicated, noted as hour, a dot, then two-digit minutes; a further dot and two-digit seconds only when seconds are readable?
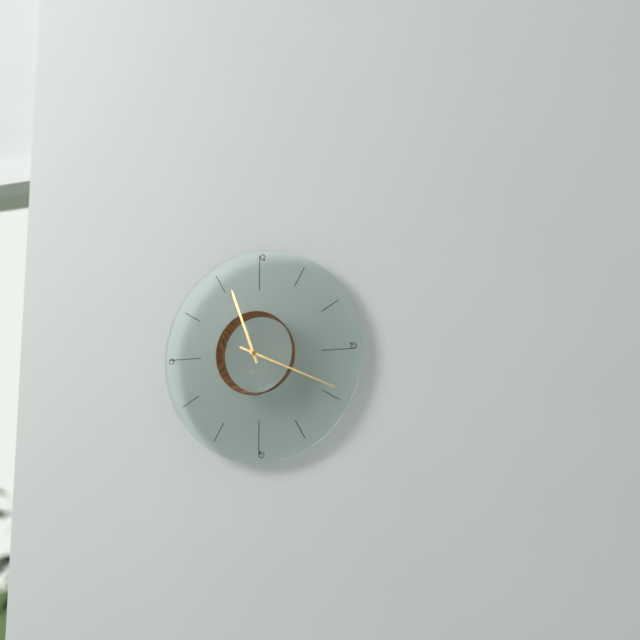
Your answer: 11.19
